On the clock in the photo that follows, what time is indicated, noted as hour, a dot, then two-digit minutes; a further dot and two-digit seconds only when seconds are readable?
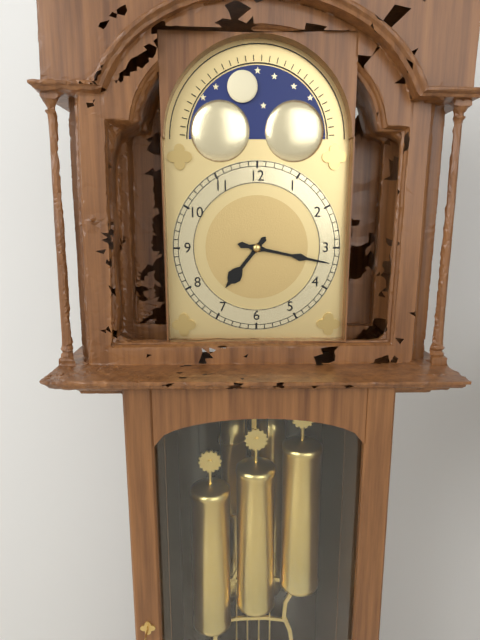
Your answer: 7.17
